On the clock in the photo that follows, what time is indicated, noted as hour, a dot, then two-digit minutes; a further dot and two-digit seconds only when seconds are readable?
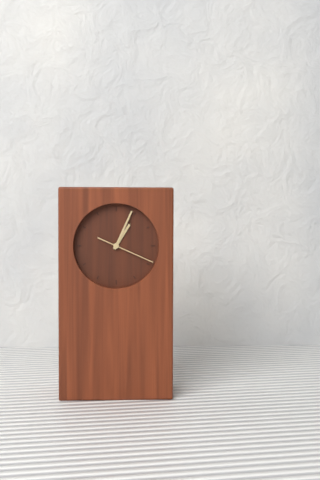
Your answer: 1.04.19
